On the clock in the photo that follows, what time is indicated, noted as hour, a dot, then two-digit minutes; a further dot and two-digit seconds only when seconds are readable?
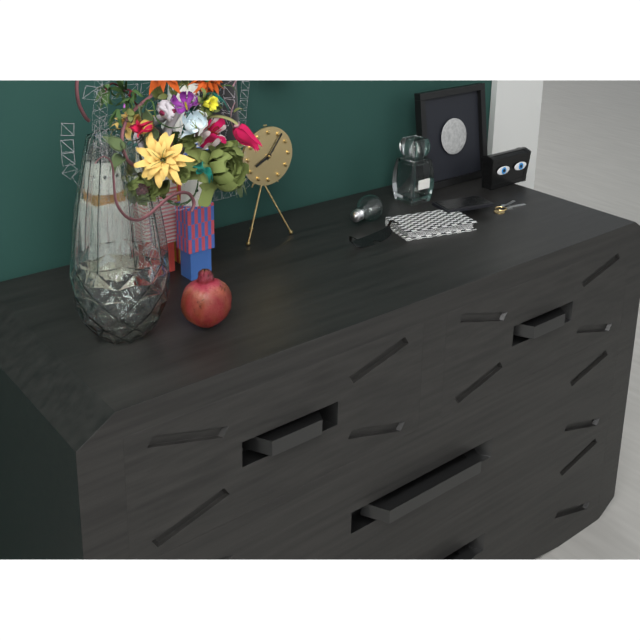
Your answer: 8.06
